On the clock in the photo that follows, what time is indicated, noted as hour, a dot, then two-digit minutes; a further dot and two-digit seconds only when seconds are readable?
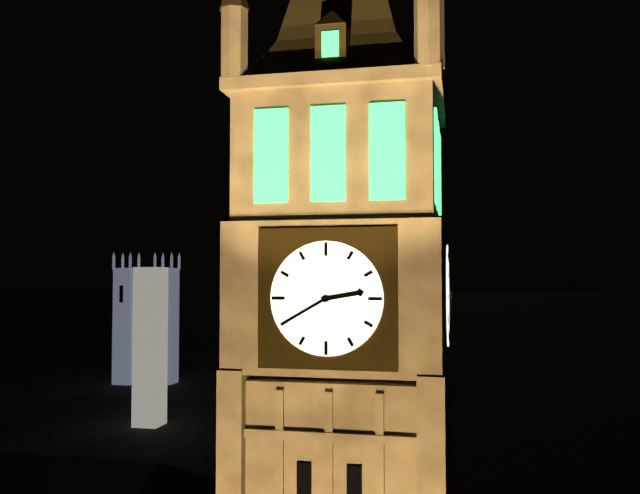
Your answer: 2.40
